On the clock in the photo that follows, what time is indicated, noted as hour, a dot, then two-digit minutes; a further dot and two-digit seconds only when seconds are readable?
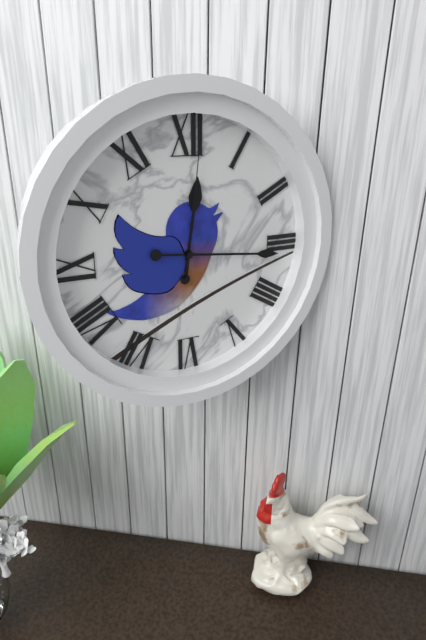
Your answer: 12.16.01
